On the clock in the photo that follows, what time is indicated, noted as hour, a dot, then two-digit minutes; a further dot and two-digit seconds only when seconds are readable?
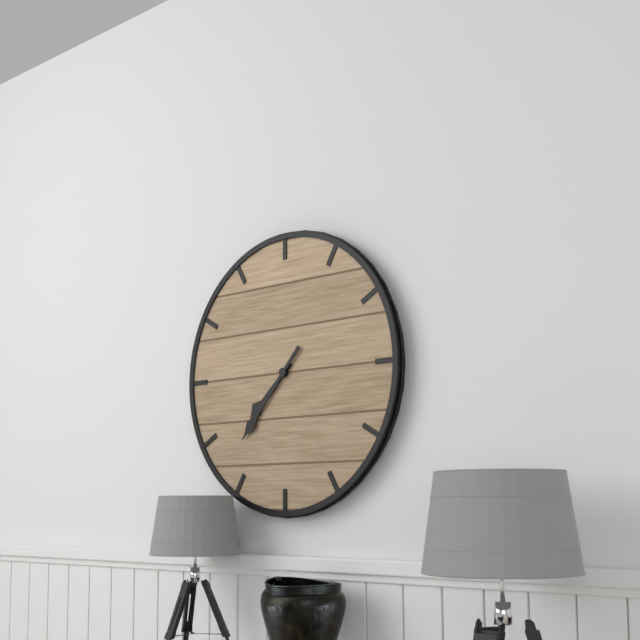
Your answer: 7.37
